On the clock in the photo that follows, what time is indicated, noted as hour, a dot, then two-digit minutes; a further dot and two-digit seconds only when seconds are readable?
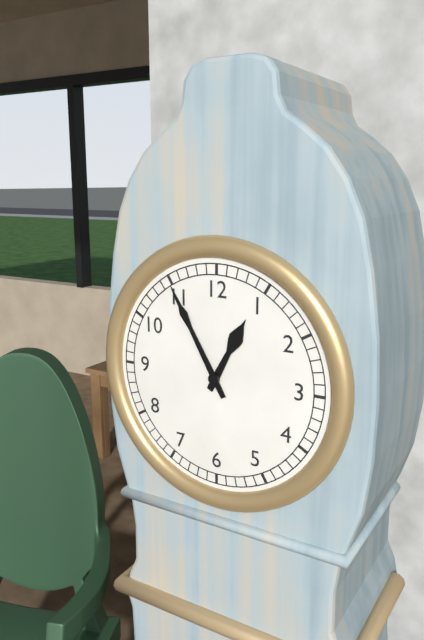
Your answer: 12.55
